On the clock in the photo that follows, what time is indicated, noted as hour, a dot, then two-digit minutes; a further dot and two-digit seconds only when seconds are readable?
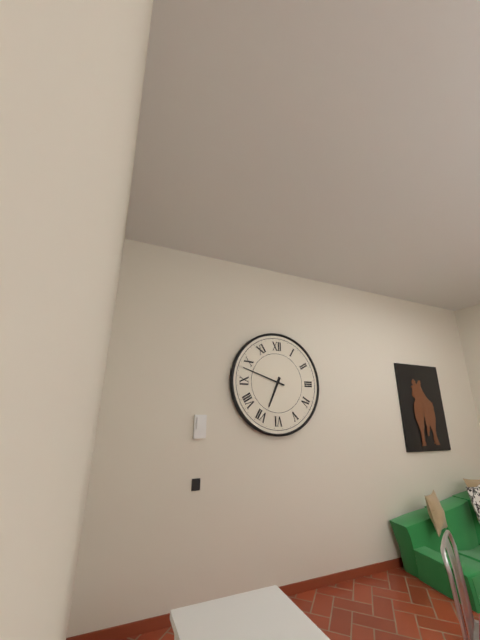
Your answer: 6.48
